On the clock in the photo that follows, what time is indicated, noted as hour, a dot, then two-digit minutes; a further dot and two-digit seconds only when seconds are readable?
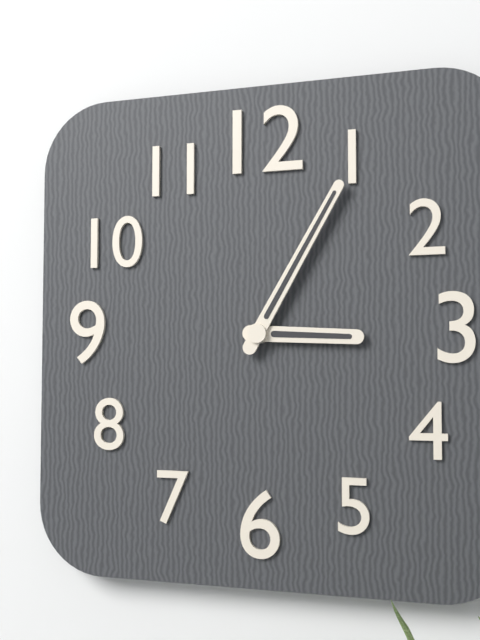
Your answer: 3.05
